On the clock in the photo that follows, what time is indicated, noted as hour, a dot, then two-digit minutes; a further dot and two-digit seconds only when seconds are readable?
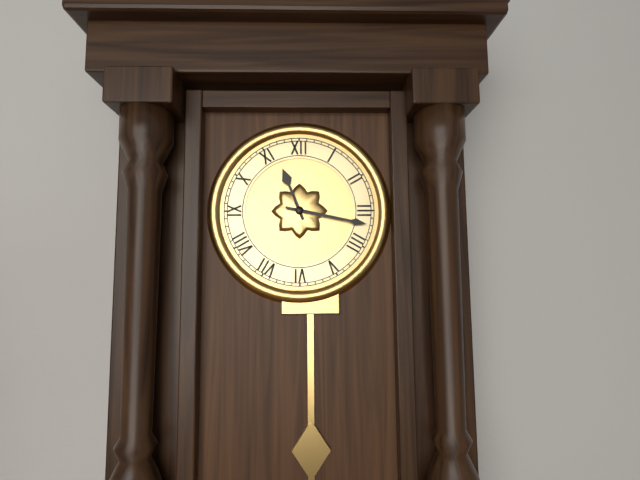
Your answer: 11.17
